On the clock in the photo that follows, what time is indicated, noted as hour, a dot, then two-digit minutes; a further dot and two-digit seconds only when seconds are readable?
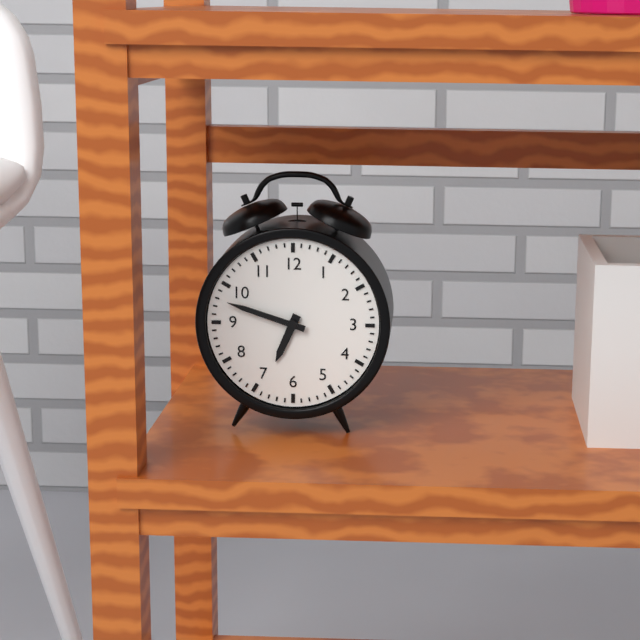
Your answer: 6.48
